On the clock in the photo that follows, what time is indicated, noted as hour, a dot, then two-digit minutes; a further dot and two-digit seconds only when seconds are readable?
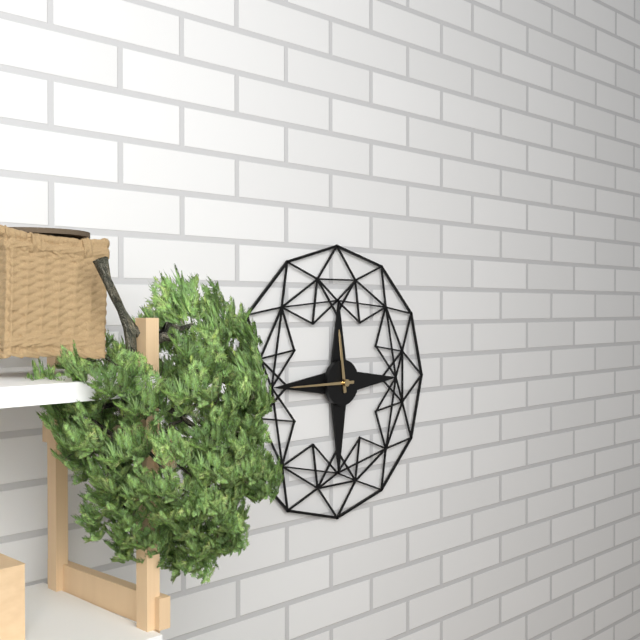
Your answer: 11.45
